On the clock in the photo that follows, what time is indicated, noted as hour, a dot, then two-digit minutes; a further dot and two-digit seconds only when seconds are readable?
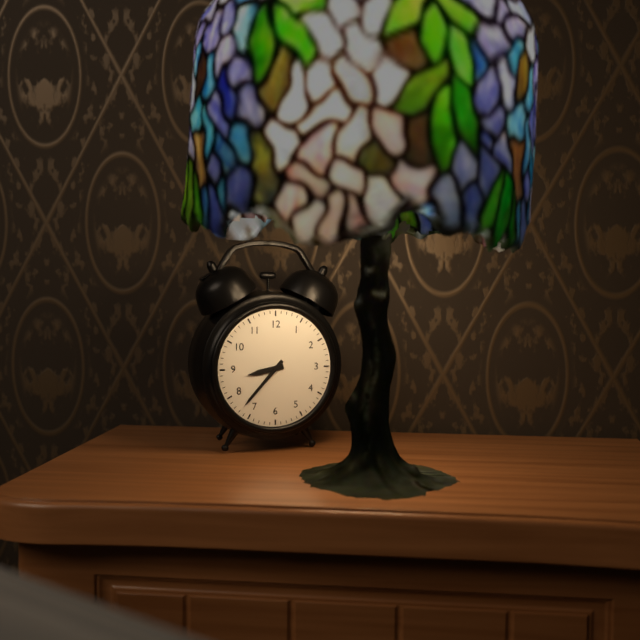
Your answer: 8.37
